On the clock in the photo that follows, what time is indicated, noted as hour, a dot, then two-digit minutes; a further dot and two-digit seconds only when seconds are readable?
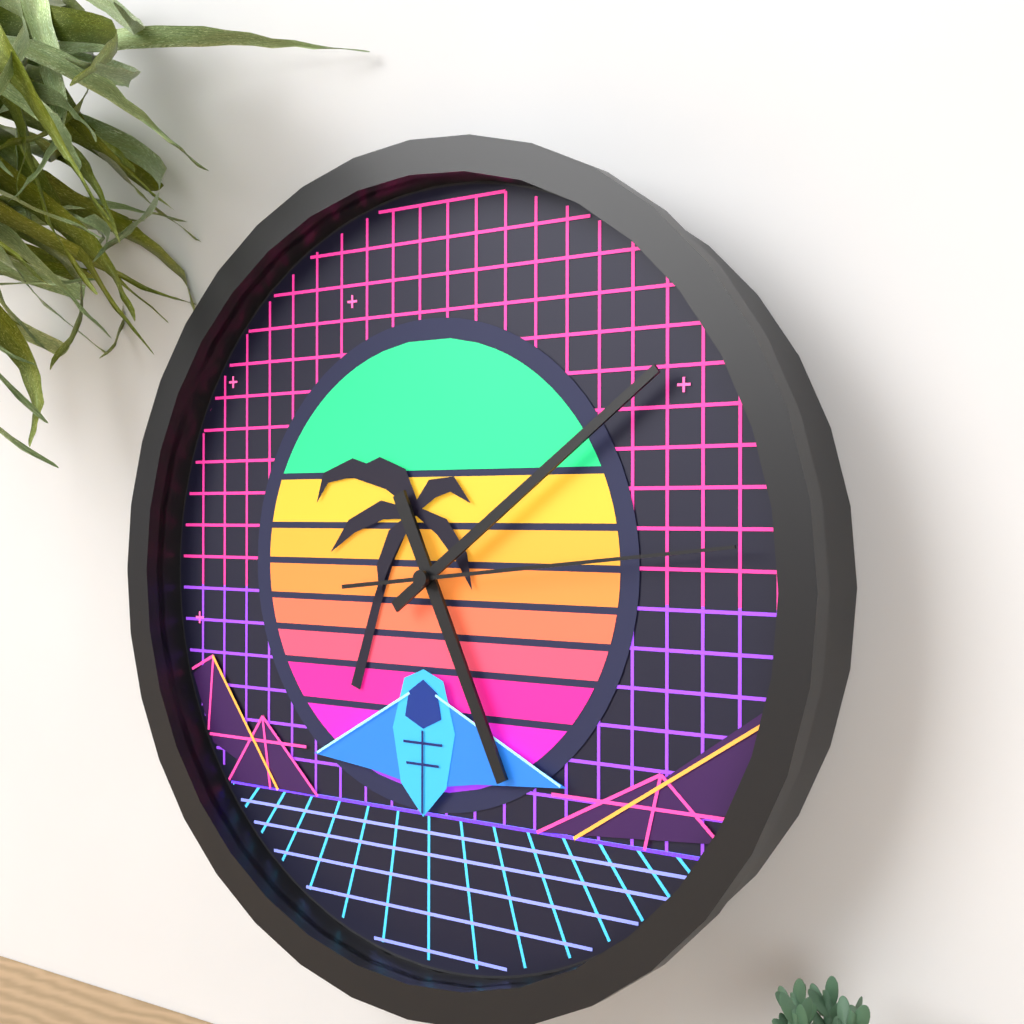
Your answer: 5.09.14
